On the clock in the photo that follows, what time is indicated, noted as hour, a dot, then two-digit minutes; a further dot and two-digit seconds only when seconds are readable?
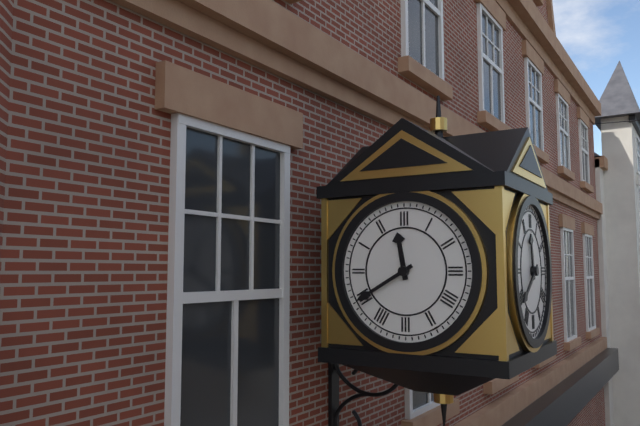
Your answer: 11.40
